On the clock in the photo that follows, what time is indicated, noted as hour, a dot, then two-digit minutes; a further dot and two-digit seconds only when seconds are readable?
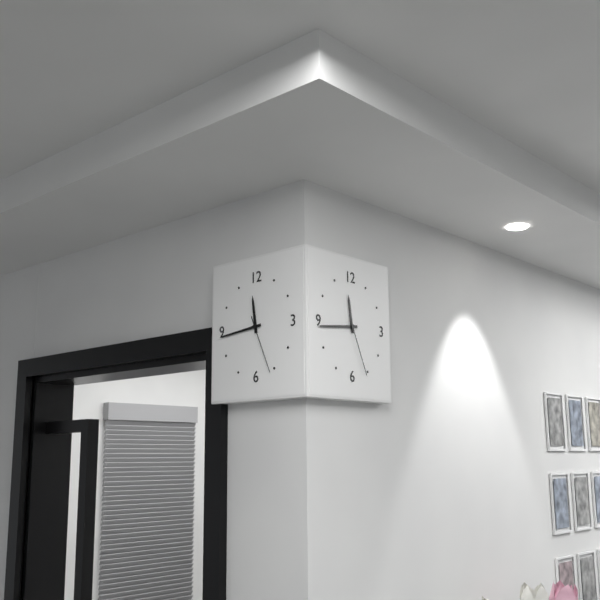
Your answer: 11.44.26
